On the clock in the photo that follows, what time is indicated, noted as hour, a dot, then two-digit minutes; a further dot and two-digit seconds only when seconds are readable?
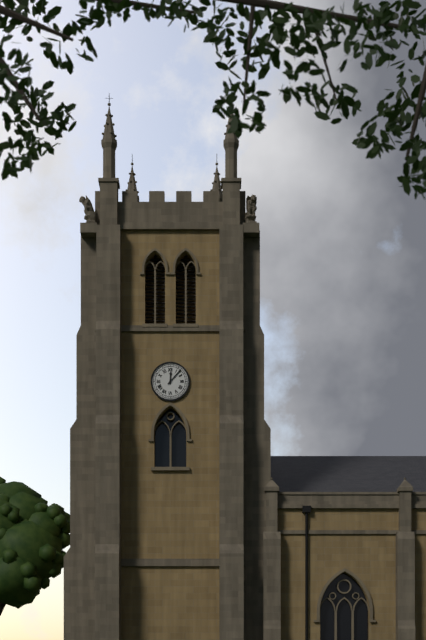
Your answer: 12.07
